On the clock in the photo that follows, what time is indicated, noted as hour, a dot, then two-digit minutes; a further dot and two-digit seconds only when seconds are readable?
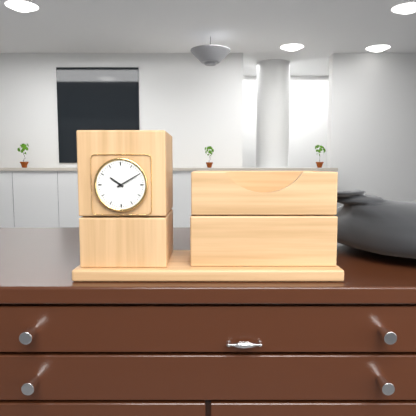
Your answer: 10.10
